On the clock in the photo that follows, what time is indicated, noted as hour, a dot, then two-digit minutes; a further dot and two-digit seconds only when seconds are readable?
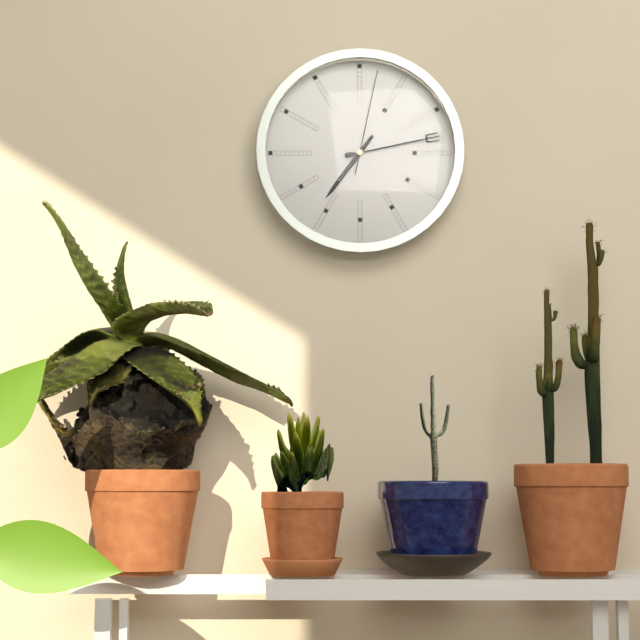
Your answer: 7.13.02
